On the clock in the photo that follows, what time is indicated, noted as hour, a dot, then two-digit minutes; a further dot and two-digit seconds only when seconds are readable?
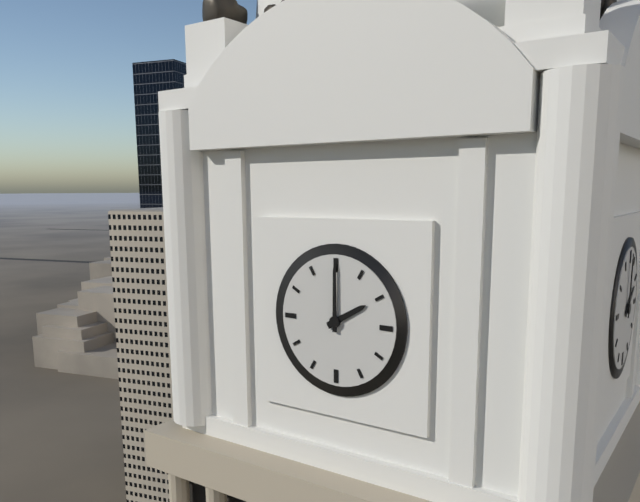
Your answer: 2.00
